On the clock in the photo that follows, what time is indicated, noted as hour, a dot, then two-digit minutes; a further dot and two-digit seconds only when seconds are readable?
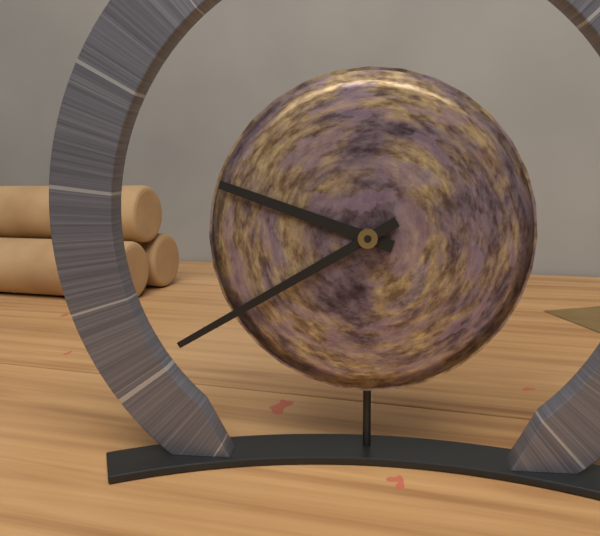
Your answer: 9.40
